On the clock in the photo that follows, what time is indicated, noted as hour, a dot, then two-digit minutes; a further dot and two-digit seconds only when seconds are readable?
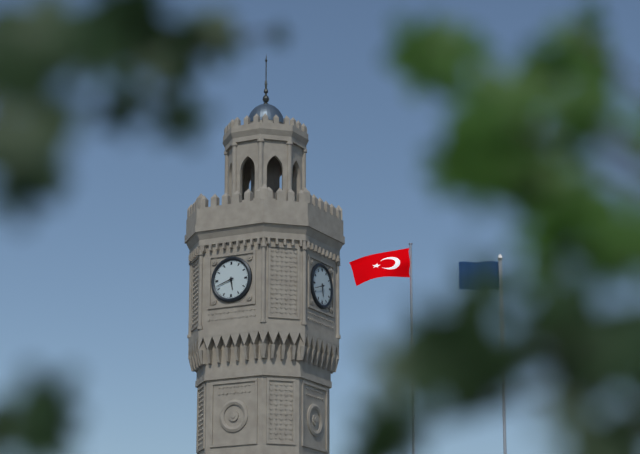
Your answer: 5.42
